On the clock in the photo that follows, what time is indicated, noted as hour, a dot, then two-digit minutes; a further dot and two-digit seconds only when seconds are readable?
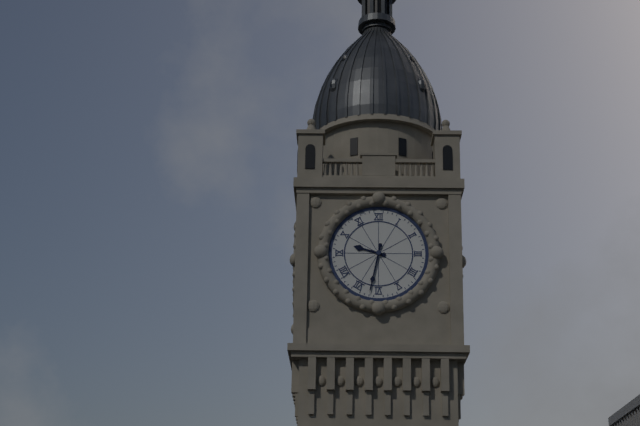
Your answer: 9.32
